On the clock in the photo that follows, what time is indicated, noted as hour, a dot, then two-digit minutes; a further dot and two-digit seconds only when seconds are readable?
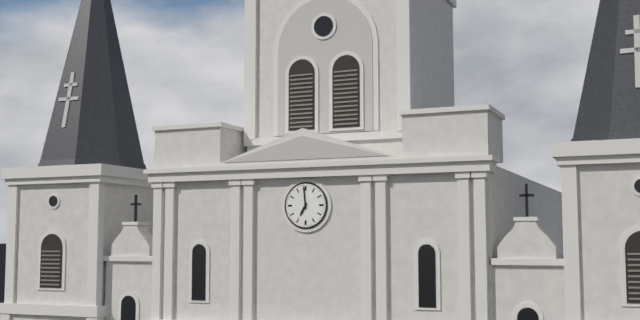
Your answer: 6.59
